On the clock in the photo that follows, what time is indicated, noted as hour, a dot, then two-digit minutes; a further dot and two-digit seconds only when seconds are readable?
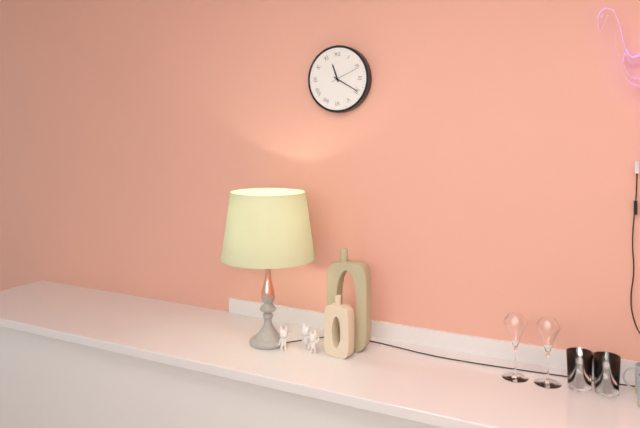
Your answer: 11.20
